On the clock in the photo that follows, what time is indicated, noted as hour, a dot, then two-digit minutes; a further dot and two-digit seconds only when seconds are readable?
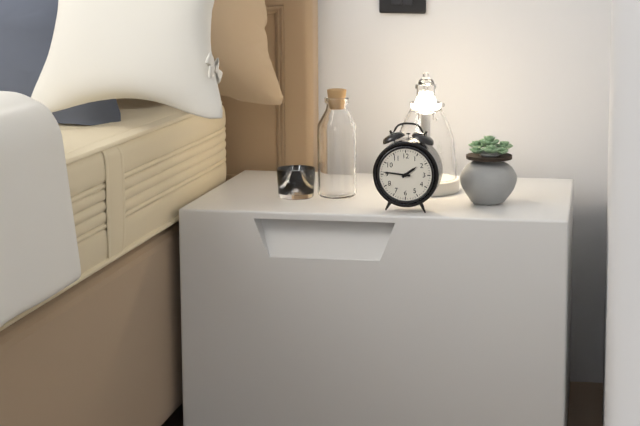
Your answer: 1.46
